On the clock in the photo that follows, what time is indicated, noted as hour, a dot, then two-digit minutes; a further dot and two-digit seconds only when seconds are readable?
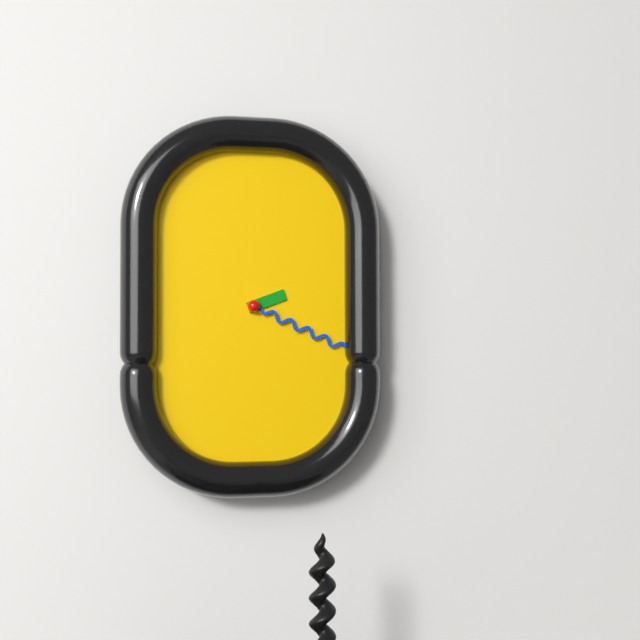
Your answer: 2.19
